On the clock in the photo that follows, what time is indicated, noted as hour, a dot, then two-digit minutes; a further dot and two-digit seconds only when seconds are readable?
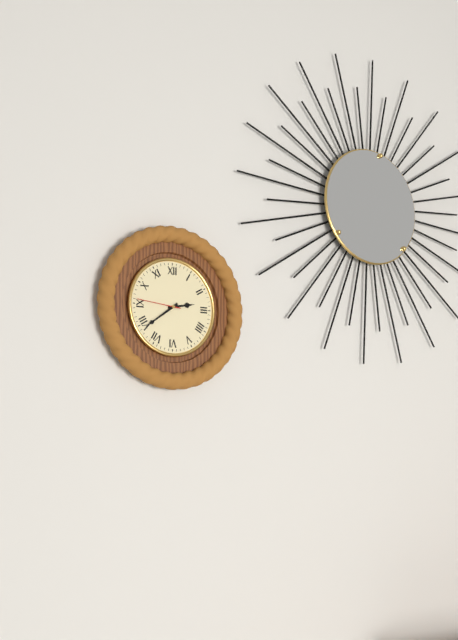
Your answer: 2.39
